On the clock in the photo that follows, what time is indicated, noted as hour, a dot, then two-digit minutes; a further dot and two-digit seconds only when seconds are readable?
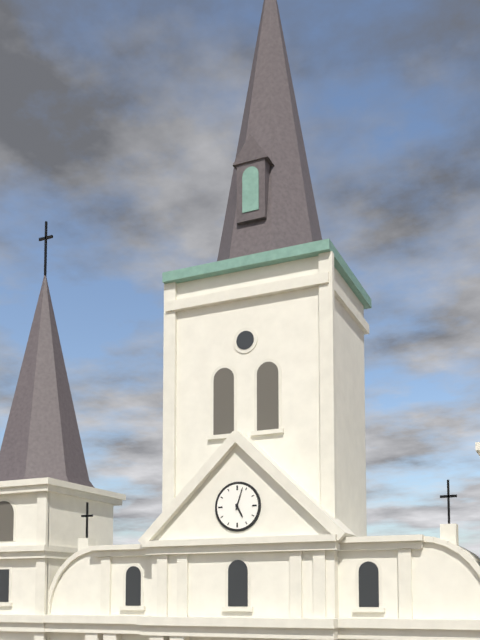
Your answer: 5.03
